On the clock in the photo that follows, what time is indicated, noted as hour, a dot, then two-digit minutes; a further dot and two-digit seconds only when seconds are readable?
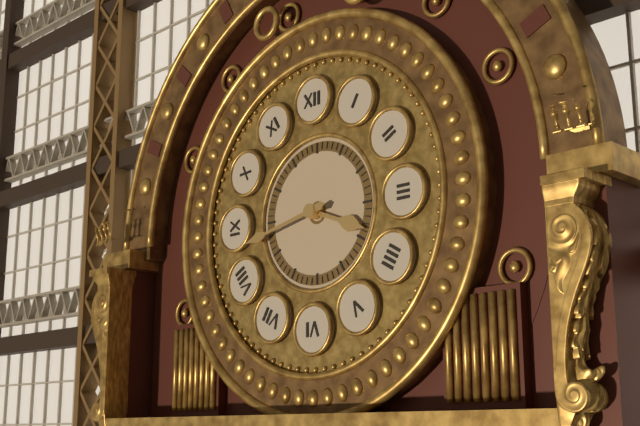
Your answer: 3.43
